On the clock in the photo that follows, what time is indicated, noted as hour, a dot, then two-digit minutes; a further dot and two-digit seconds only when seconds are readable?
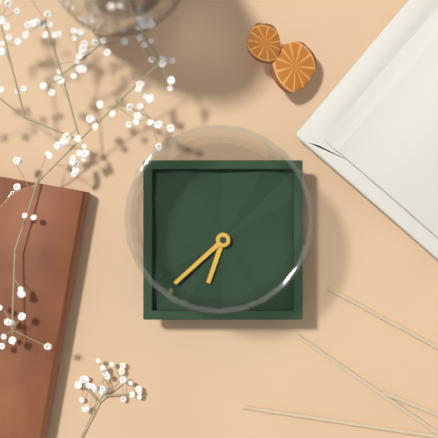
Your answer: 6.38
